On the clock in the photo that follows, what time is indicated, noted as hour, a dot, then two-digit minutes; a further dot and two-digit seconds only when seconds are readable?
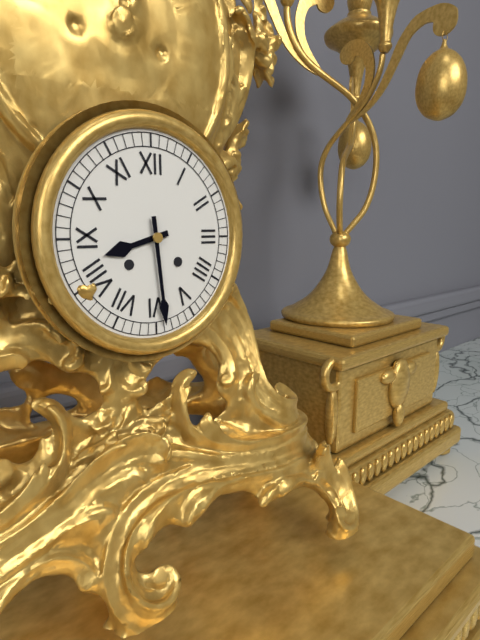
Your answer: 8.29
